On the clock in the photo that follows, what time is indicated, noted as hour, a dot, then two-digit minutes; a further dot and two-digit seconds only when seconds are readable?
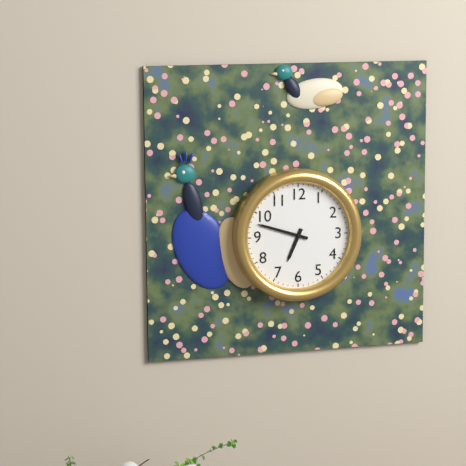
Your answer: 6.48
